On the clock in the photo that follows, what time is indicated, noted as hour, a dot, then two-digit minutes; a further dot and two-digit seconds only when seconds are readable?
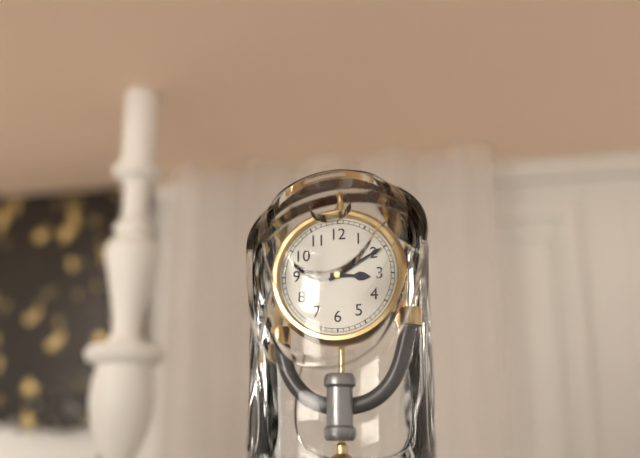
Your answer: 3.10
